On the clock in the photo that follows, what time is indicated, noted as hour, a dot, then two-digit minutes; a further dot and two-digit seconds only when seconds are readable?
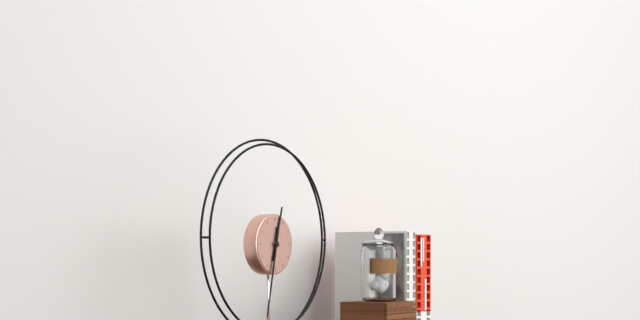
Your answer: 12.32
